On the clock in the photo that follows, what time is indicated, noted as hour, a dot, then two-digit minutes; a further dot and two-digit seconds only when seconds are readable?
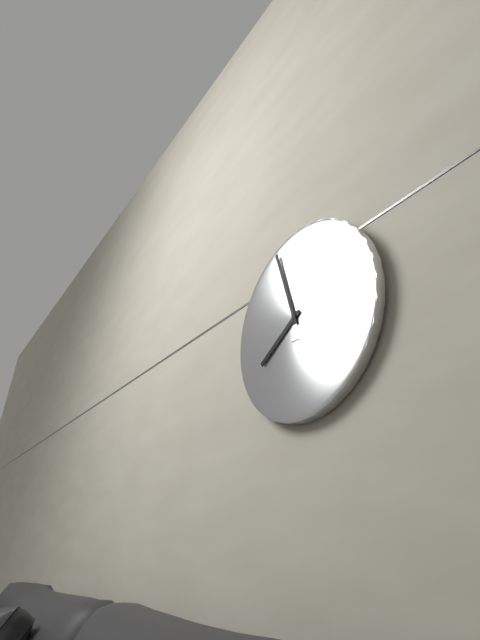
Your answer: 7.57
